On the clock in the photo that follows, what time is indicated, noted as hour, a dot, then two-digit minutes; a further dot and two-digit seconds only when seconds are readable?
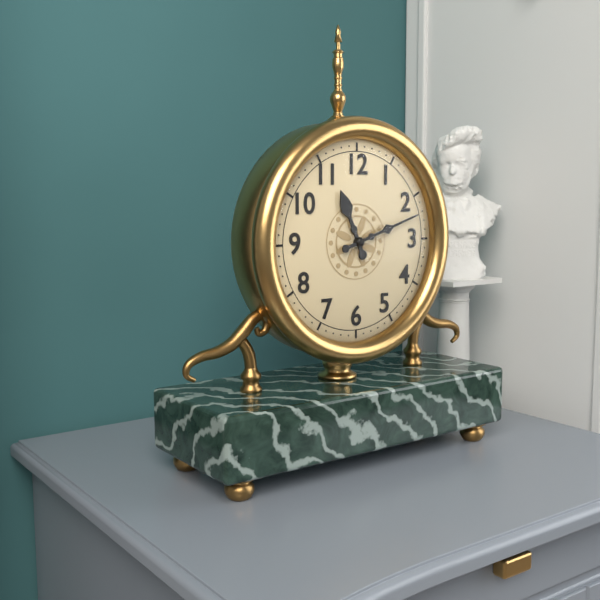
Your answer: 11.12
